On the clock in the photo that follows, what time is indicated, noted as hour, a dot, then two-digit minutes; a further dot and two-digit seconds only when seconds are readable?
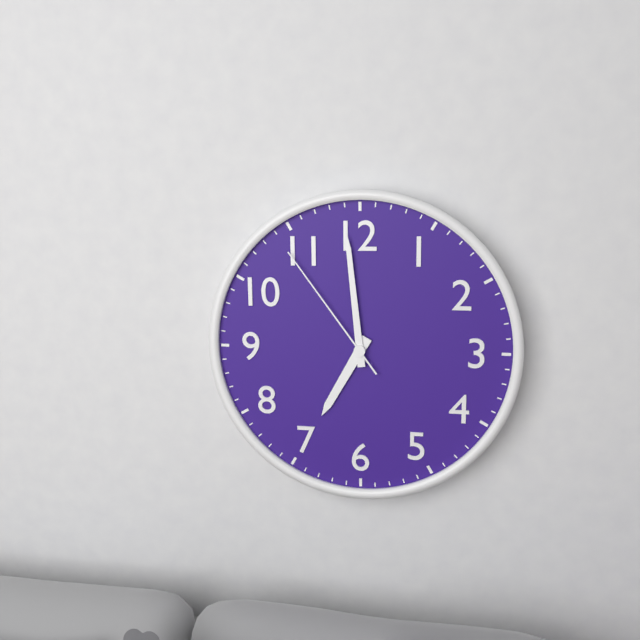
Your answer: 6.59.54
